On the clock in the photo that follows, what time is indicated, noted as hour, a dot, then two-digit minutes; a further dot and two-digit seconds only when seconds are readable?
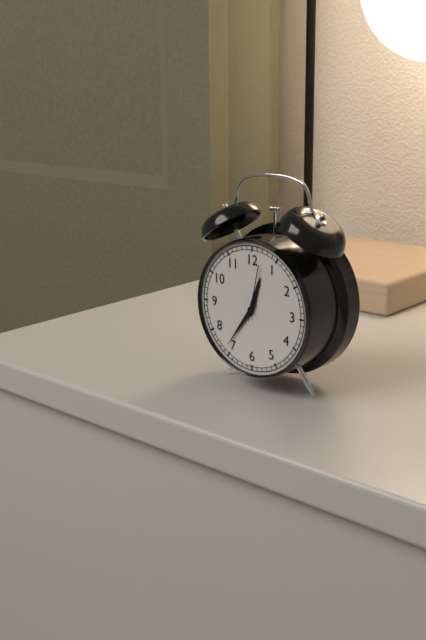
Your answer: 12.36.02
